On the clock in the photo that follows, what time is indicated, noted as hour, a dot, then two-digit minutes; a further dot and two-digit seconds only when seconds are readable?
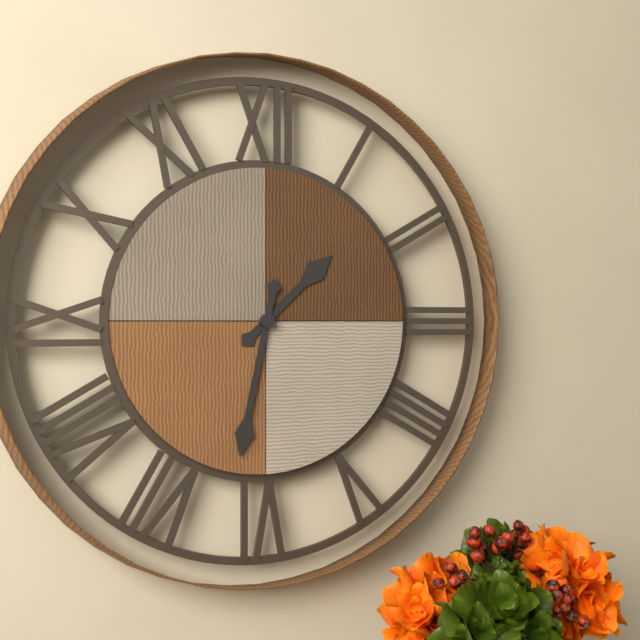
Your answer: 1.32
